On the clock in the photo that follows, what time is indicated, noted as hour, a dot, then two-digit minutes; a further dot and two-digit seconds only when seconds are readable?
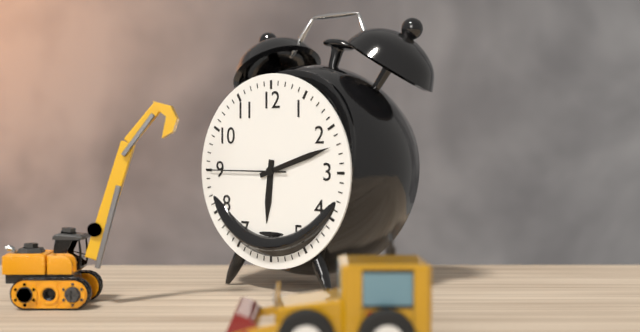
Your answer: 6.12.45
